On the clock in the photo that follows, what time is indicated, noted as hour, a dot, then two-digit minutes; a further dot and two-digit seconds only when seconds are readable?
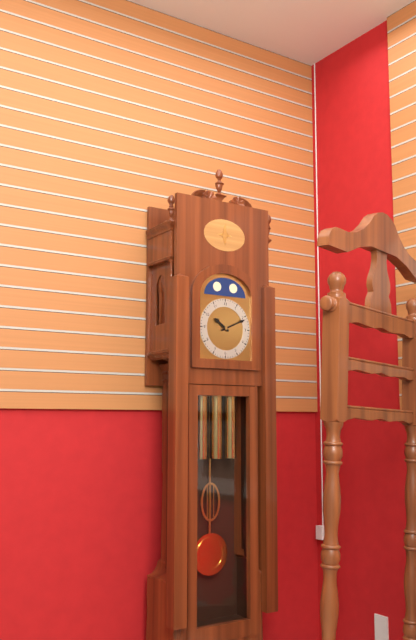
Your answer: 10.11
